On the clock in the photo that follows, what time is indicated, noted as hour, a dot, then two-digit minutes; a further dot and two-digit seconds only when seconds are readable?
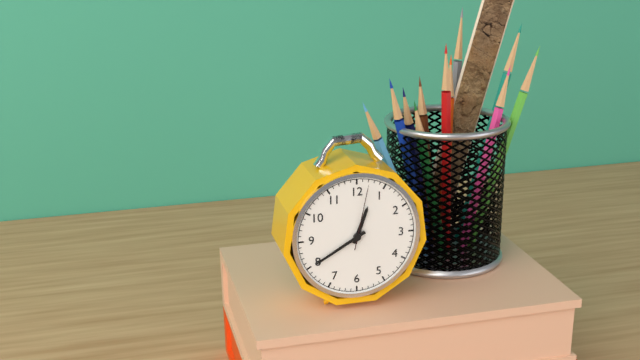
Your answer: 12.40.02
